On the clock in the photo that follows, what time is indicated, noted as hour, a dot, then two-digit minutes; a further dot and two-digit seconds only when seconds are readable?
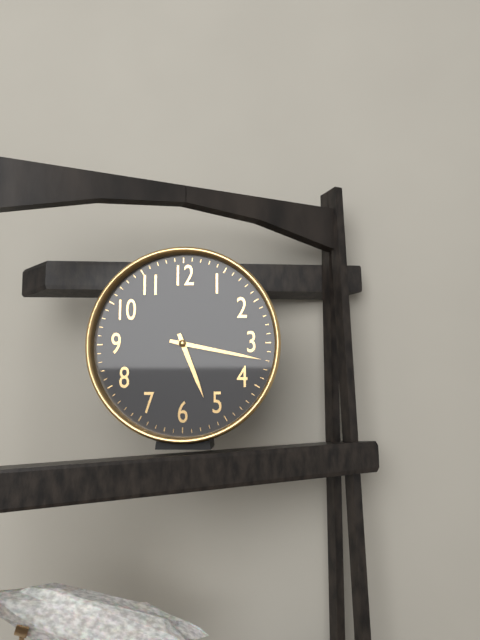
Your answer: 5.17
